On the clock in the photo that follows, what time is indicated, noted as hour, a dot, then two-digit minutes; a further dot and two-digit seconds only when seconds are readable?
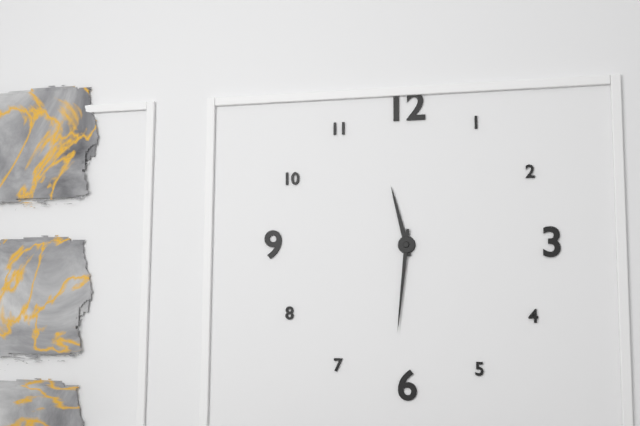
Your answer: 11.31
